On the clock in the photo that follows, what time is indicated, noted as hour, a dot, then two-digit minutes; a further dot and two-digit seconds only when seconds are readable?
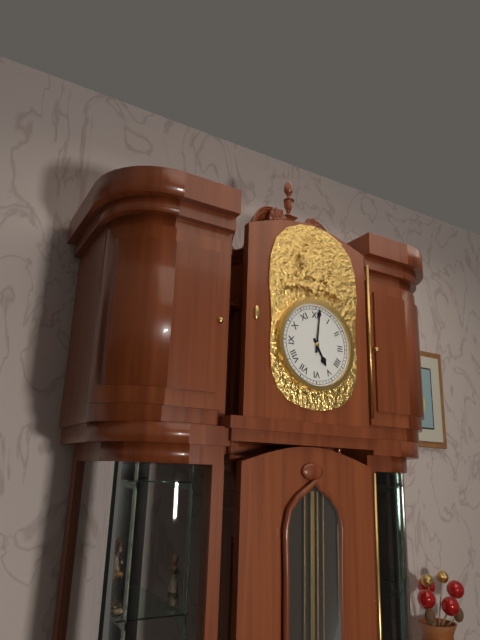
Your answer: 5.01
